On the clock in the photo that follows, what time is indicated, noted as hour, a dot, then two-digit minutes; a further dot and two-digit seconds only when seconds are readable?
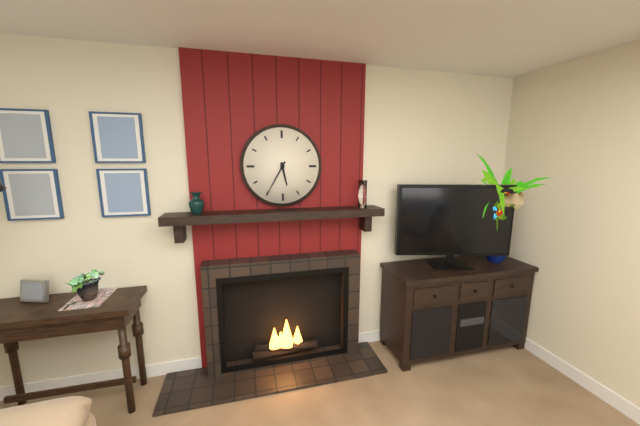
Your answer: 5.35
